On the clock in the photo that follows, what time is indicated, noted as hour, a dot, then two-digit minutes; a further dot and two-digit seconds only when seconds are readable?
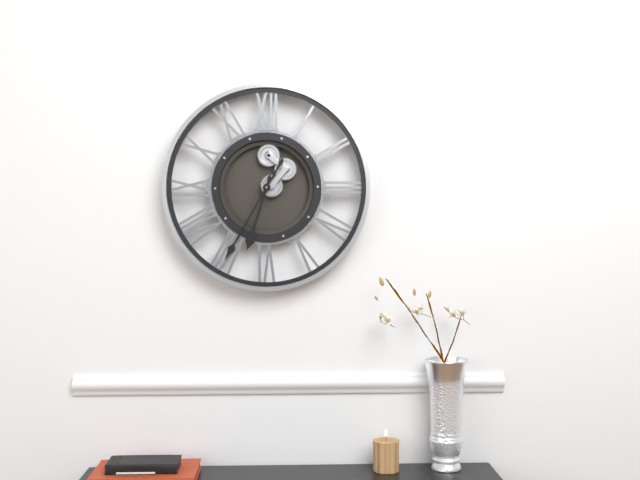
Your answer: 6.35
